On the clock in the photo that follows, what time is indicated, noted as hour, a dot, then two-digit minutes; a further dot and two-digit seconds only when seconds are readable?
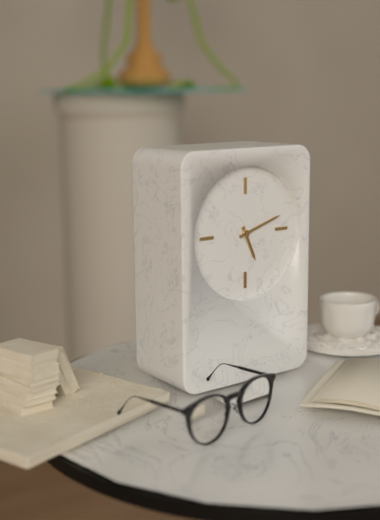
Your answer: 5.12
